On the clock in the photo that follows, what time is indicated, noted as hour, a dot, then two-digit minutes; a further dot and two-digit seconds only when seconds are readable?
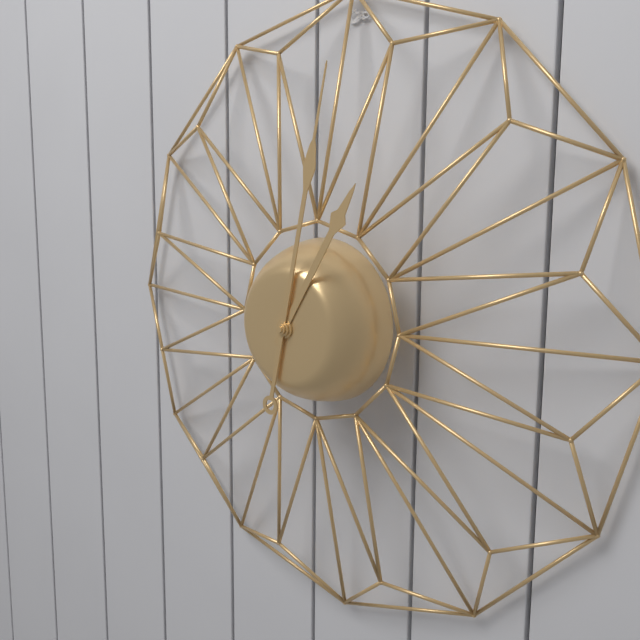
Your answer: 1.02
